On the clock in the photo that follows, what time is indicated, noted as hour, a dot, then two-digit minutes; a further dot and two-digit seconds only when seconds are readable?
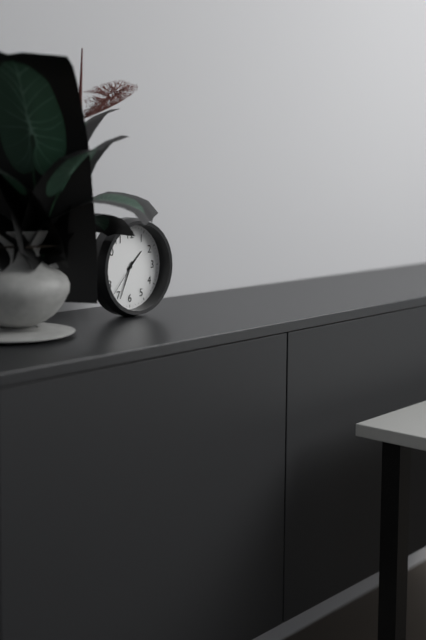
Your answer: 1.34
